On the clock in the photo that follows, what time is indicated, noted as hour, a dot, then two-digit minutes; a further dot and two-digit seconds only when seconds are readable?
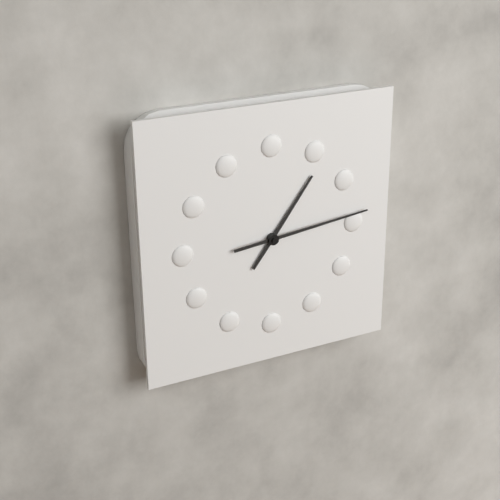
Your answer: 1.14
